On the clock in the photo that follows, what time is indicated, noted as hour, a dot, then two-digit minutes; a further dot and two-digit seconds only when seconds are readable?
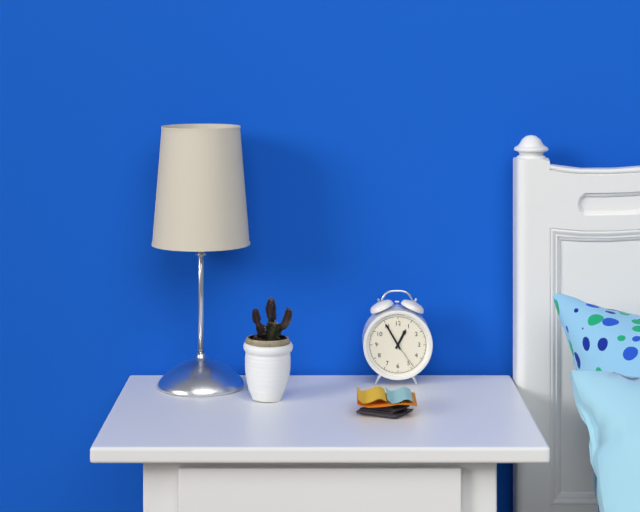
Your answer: 12.55
